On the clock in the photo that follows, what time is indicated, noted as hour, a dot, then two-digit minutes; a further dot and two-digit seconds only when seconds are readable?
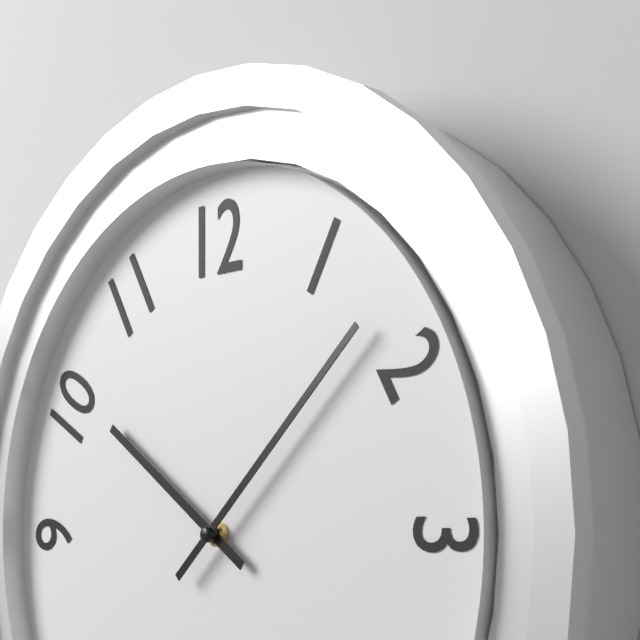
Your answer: 10.08
